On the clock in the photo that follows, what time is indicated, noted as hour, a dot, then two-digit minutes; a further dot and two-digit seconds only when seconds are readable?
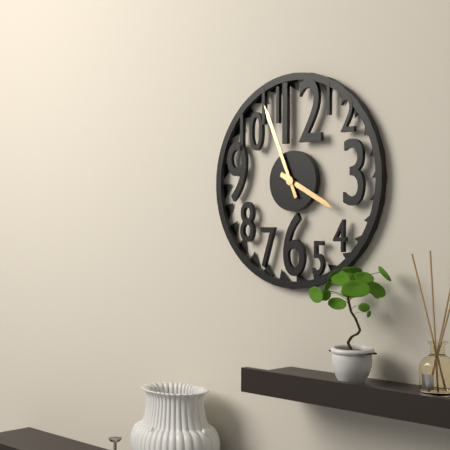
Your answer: 3.56
